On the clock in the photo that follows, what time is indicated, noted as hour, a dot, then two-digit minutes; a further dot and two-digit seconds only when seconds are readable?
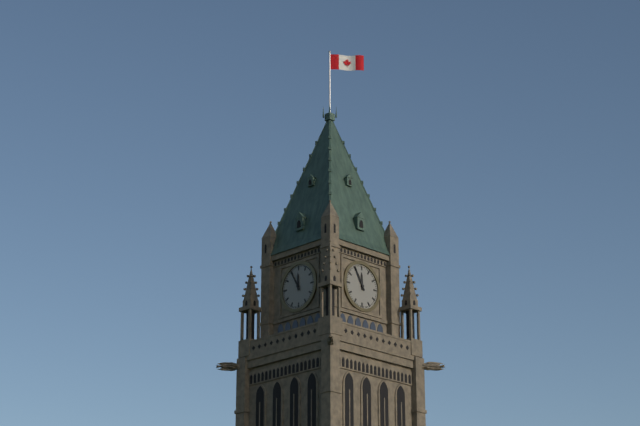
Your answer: 11.55
